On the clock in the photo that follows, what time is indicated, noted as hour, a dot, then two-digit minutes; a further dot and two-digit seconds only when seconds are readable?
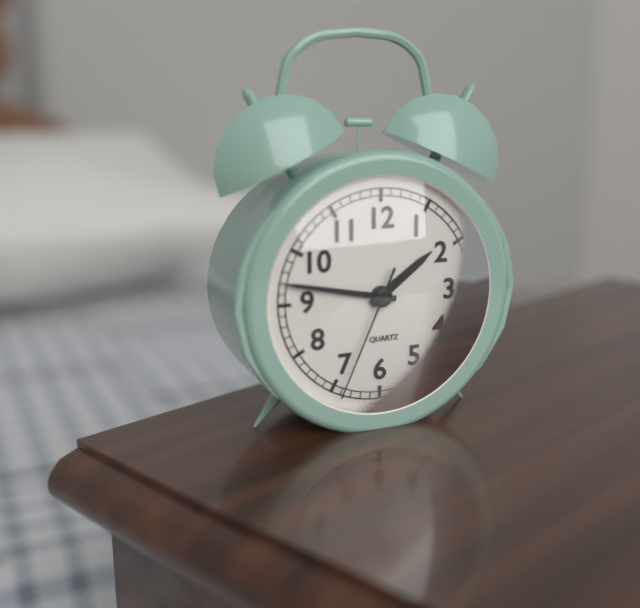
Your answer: 1.47.34
